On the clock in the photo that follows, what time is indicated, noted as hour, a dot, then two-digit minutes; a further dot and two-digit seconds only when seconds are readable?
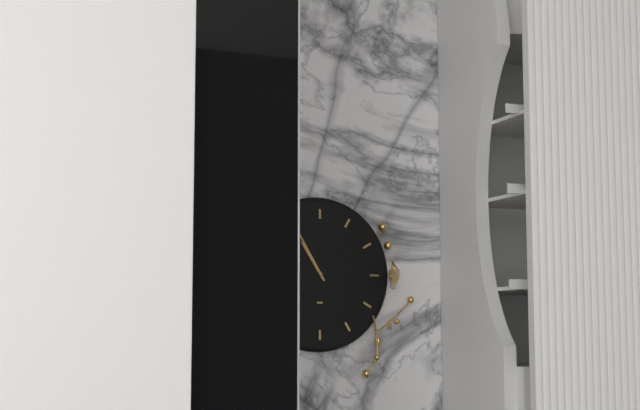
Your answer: 10.55
